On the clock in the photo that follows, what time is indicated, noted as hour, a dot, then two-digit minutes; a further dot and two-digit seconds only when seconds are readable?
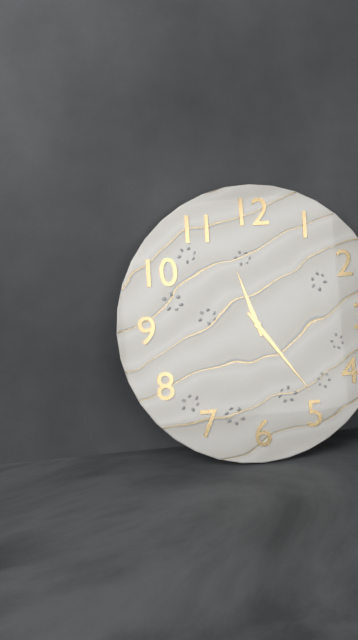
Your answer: 11.24
